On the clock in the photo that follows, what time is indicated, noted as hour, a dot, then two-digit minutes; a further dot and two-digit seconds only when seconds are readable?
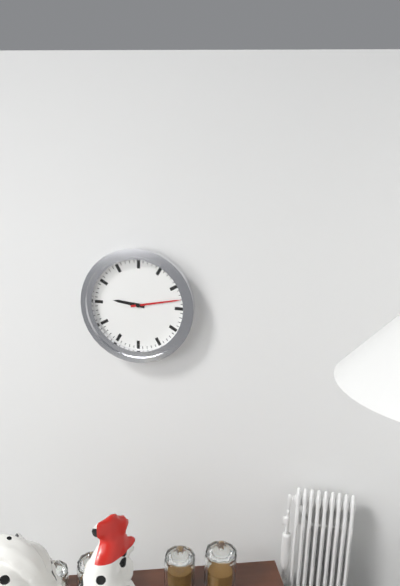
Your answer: 9.13
